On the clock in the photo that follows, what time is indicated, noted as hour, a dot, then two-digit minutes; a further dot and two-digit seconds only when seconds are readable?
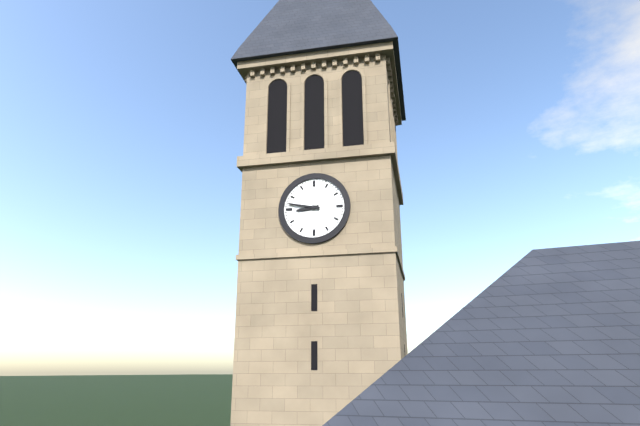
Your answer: 8.47
